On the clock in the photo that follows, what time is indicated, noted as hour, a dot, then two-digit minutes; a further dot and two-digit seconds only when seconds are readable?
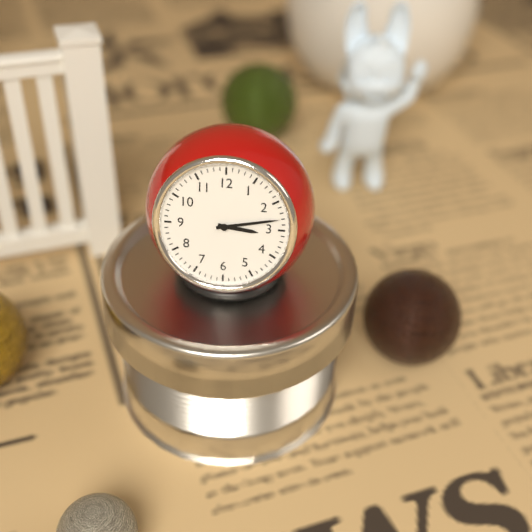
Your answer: 3.13
